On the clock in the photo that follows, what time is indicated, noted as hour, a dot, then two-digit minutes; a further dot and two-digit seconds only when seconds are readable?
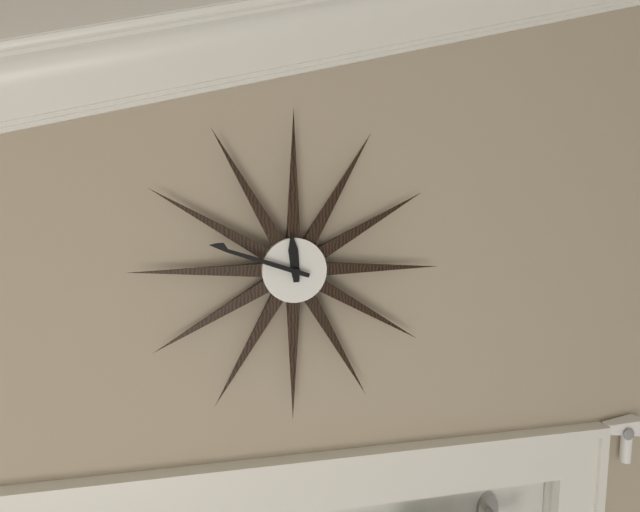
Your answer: 11.48
